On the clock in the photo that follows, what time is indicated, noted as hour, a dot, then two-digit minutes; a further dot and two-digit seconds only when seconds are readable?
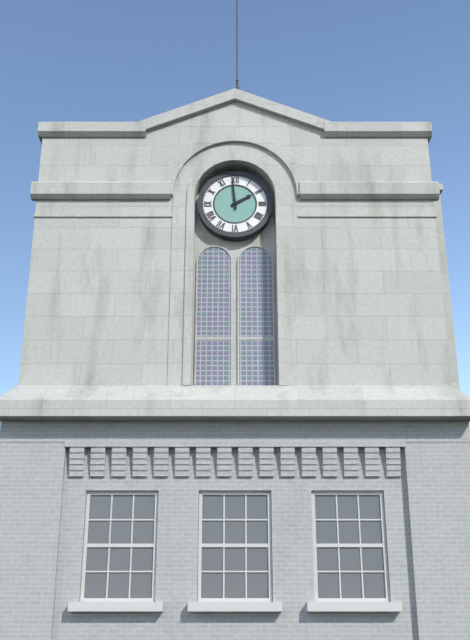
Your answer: 1.59
